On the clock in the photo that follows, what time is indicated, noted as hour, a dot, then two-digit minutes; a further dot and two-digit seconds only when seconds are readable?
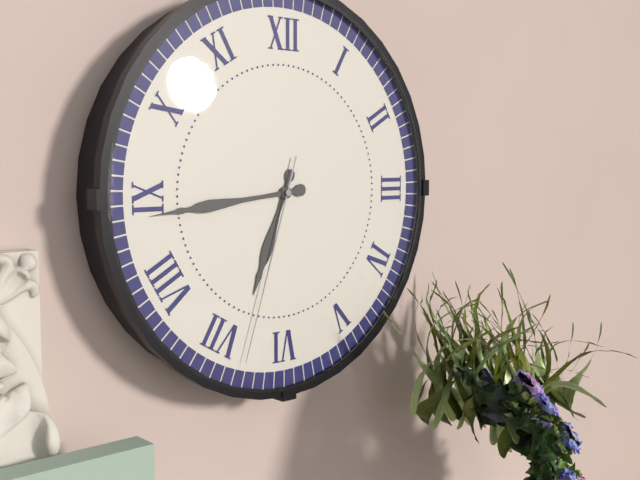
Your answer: 6.44.33
